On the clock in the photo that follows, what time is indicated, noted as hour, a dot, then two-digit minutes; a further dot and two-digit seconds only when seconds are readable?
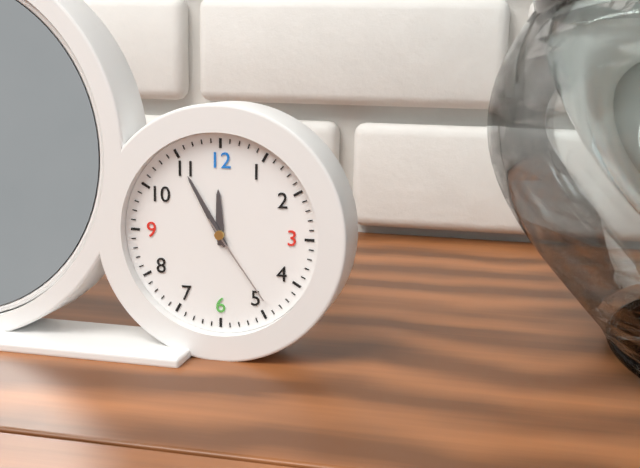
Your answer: 11.55.24
